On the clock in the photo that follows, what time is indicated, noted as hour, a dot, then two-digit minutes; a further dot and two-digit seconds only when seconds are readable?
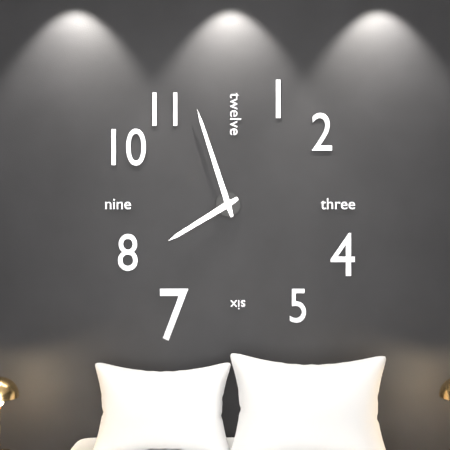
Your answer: 7.57
